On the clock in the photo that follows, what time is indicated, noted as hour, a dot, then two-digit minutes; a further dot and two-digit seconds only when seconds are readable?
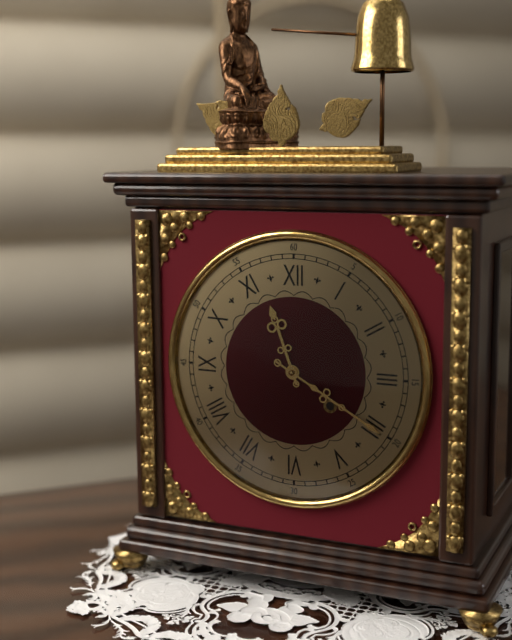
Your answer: 11.20
